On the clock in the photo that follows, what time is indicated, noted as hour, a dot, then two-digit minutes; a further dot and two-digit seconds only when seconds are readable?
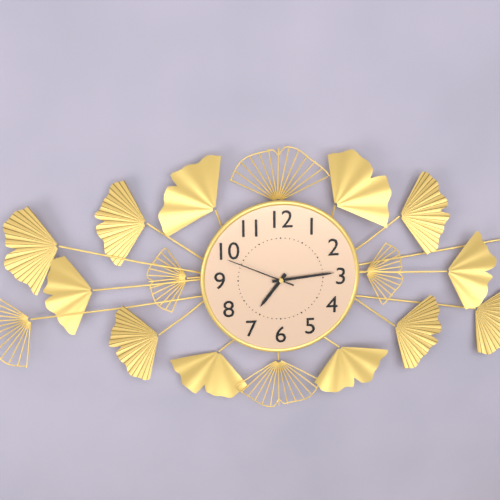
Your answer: 7.14.49
